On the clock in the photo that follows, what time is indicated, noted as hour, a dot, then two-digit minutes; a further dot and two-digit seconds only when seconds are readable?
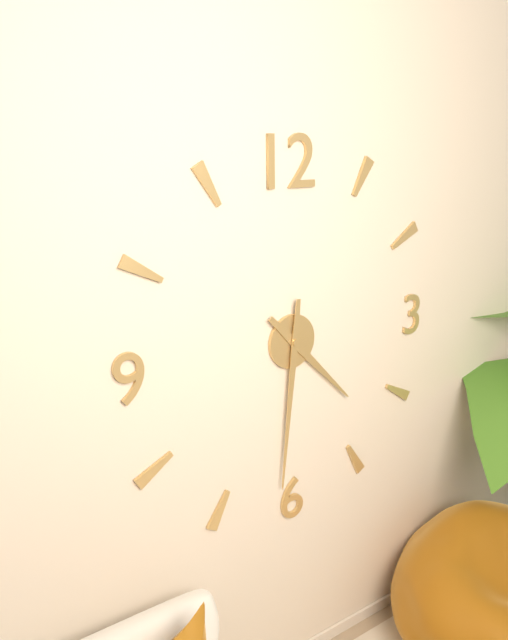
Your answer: 4.31
